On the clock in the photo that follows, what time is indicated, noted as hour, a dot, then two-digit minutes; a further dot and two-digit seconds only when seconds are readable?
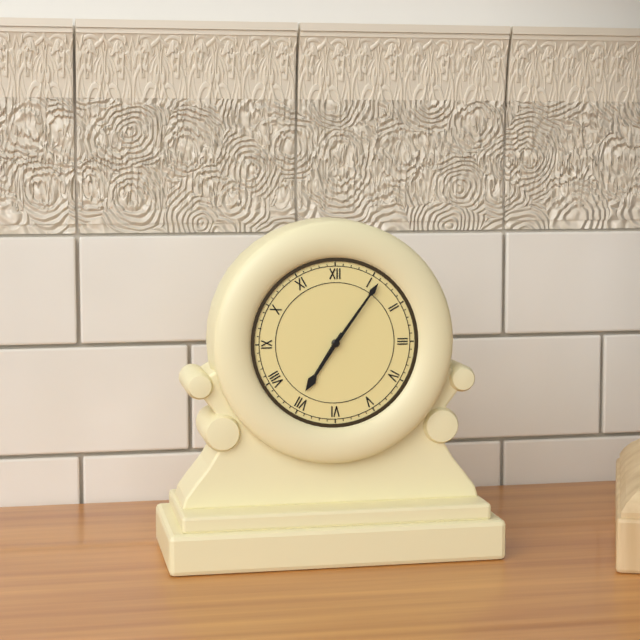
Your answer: 7.06
